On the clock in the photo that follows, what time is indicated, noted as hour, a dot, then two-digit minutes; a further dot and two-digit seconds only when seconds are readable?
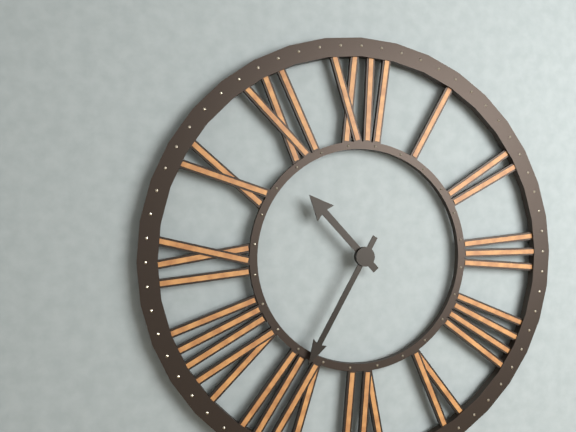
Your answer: 10.35
